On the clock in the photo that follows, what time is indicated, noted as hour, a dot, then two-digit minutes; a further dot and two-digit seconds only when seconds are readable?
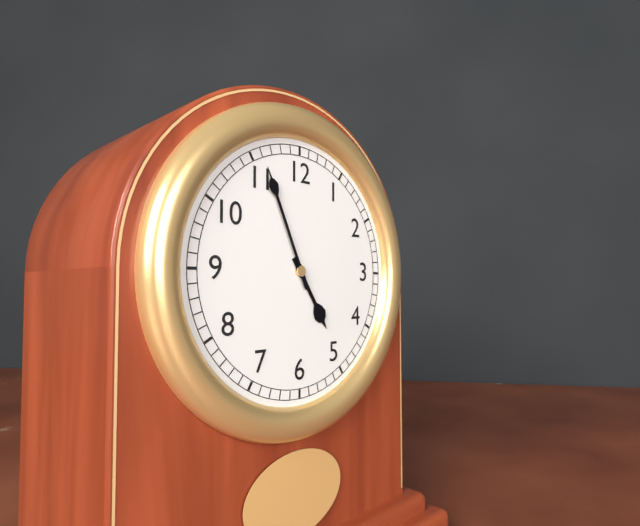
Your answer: 4.56
